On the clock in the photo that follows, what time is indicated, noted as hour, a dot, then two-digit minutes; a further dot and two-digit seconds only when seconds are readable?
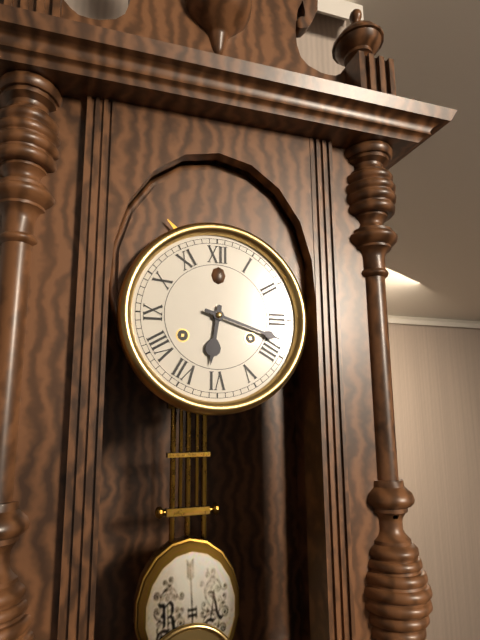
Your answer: 6.18
